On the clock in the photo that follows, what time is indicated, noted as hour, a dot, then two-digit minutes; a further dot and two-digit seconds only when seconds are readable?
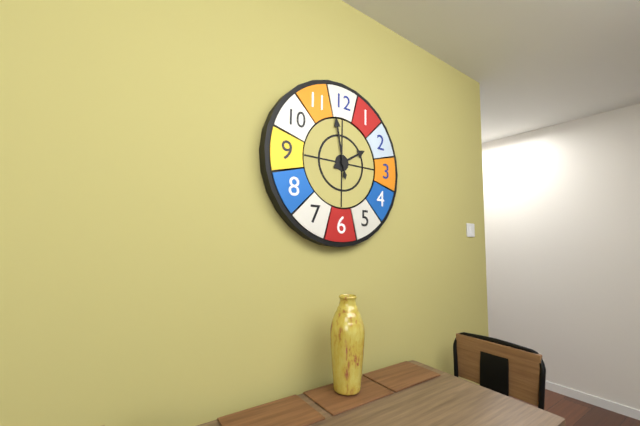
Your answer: 1.58
